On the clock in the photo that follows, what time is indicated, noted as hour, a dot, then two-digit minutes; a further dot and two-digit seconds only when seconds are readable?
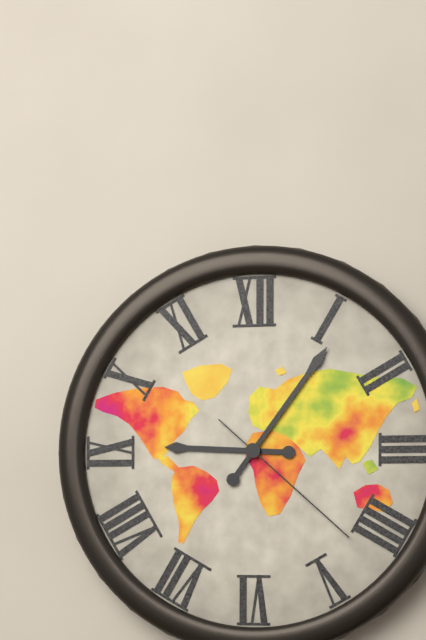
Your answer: 9.06.22
